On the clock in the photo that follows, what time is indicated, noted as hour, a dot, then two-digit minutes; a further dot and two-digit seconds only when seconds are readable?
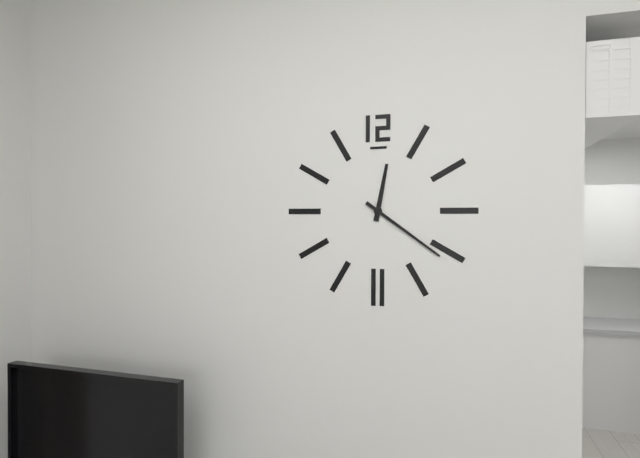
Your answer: 12.21
